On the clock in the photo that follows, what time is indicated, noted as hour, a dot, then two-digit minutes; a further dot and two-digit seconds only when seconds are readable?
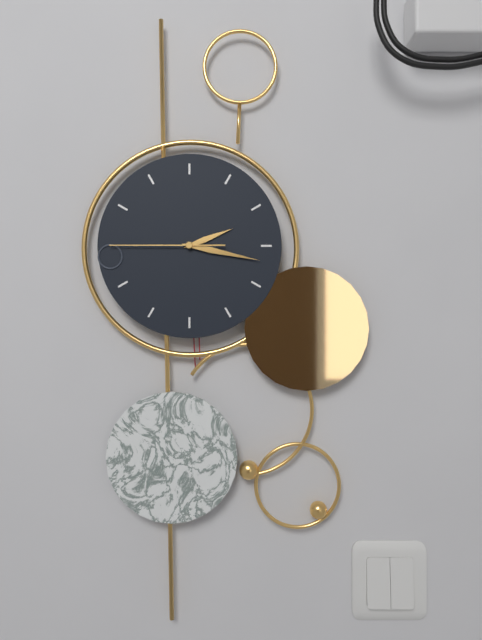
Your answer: 2.17.45
